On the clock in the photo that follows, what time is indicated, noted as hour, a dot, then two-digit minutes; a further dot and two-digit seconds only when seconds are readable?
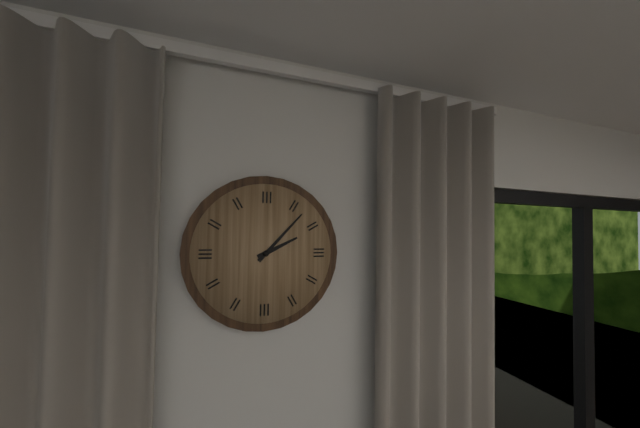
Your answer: 2.07
